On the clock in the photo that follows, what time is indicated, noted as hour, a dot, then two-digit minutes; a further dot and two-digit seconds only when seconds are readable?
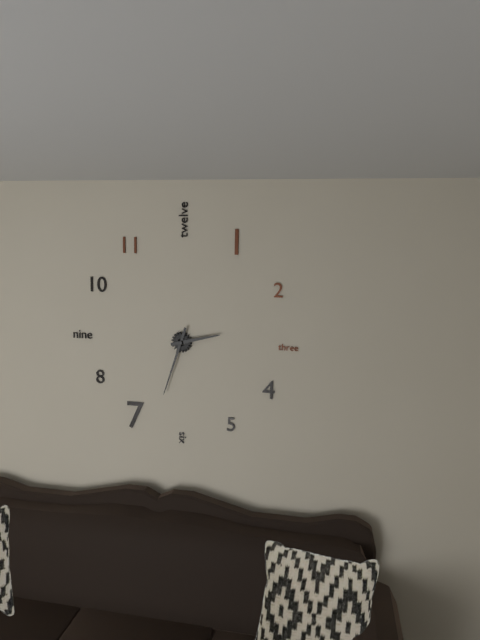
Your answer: 2.33
